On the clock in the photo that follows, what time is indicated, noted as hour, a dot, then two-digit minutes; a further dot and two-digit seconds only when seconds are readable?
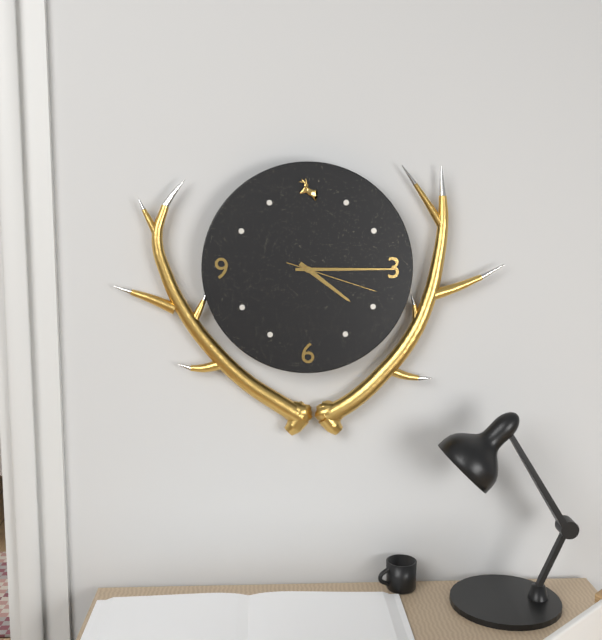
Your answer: 4.15.18
